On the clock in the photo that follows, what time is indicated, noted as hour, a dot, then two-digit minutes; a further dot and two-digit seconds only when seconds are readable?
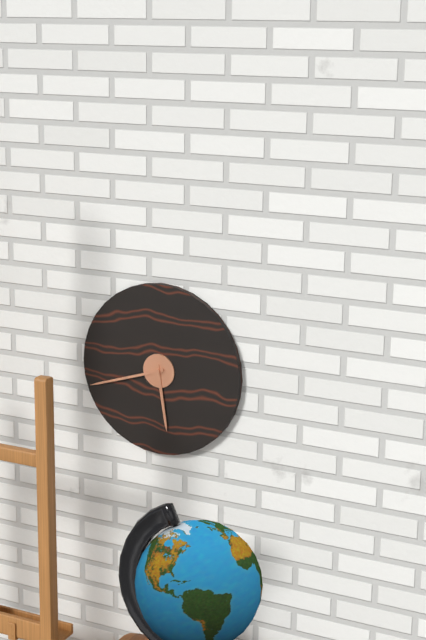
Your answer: 5.42
